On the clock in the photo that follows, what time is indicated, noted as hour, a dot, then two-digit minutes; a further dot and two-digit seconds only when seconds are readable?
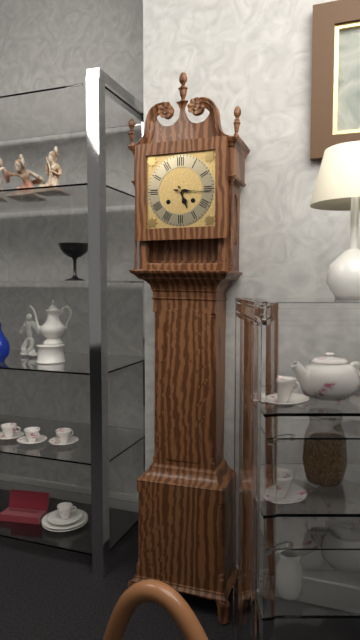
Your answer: 5.16
